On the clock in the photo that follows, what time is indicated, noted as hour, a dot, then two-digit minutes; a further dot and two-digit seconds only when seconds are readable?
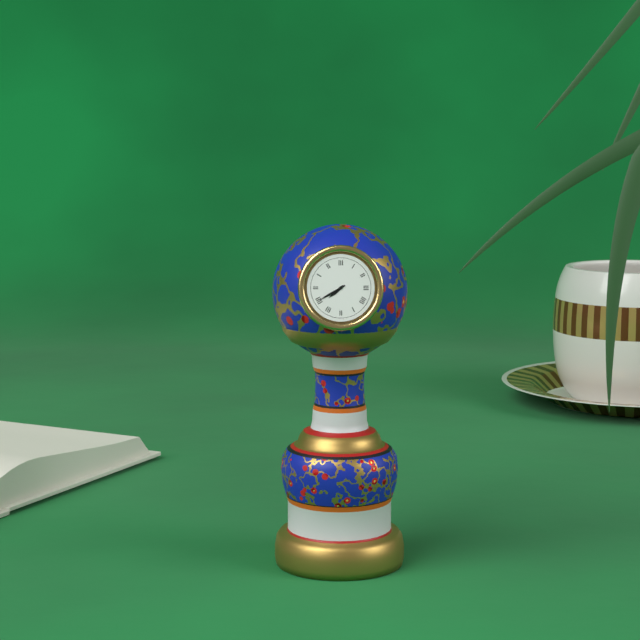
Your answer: 7.40
